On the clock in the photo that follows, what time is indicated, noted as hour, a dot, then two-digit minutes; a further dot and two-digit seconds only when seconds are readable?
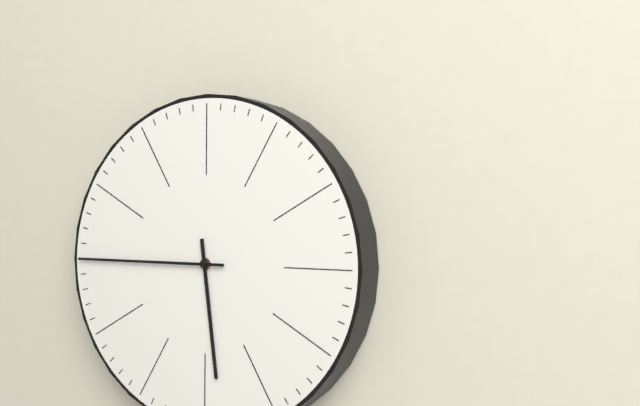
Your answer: 5.45
